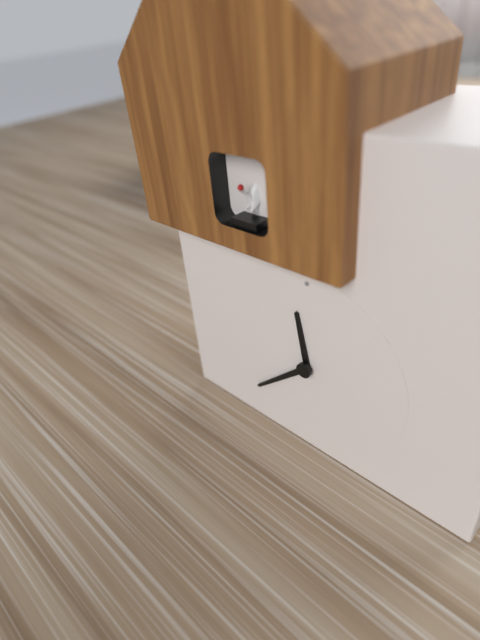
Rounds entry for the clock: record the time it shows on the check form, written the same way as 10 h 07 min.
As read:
11 h 38 min
